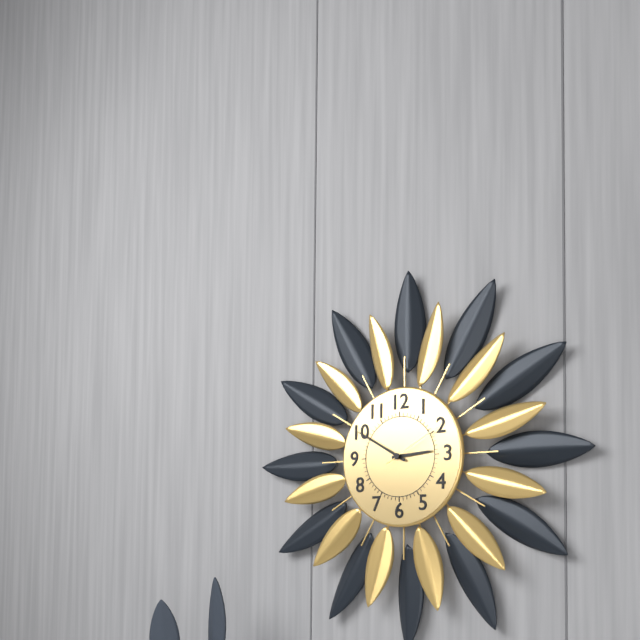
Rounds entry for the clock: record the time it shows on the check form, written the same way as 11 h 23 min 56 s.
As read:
2 h 50 min 10 s
